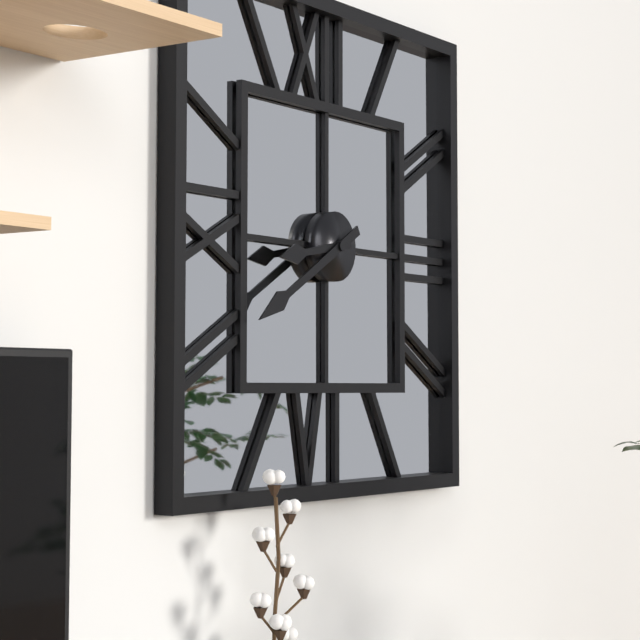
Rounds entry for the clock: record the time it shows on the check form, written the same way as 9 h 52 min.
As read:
8 h 40 min
